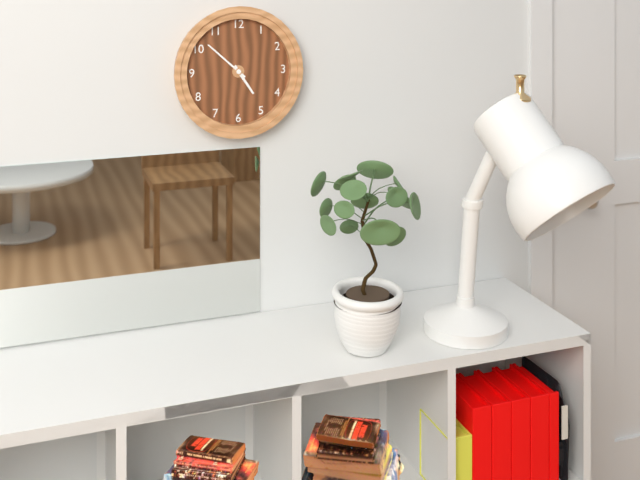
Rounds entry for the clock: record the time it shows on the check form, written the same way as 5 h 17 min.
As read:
4 h 52 min
